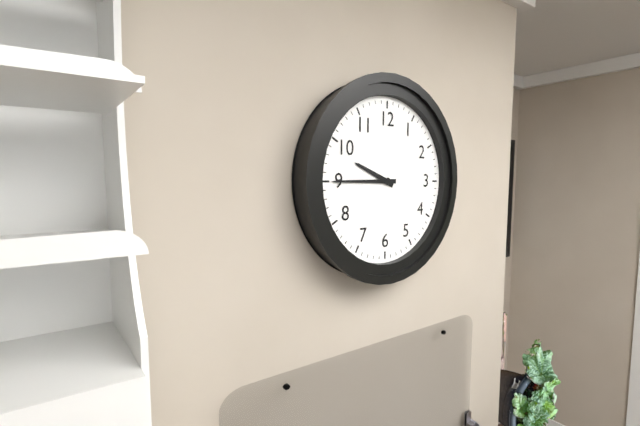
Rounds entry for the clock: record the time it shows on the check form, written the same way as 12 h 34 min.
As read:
9 h 45 min
